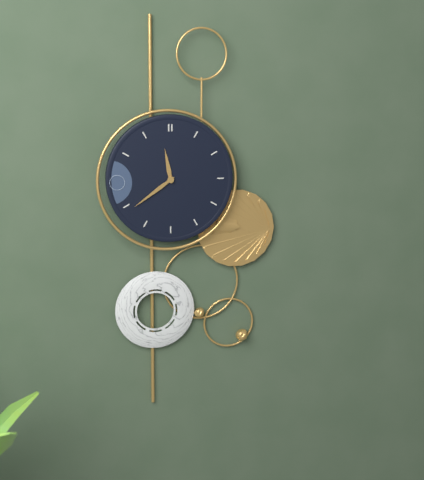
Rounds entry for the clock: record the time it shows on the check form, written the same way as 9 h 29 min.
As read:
11 h 39 min
